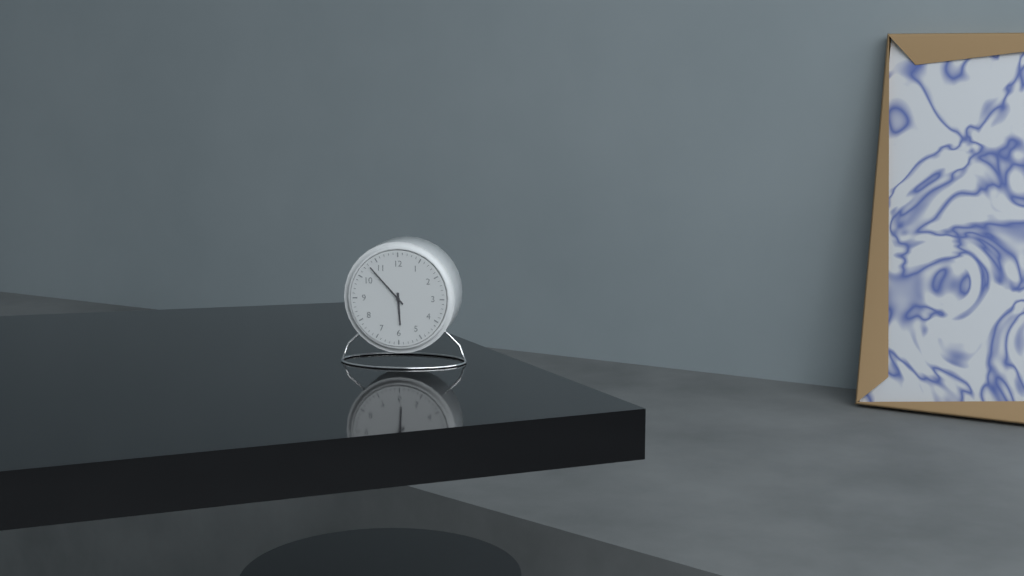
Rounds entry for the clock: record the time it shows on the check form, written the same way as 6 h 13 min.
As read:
5 h 53 min
